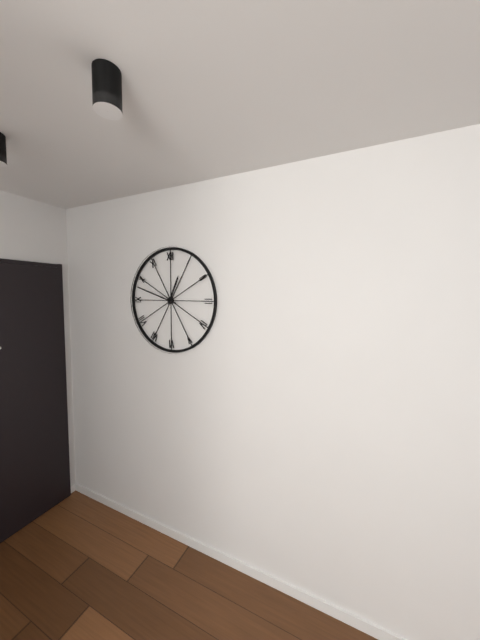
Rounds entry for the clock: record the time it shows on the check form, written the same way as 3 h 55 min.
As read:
12 h 48 min
